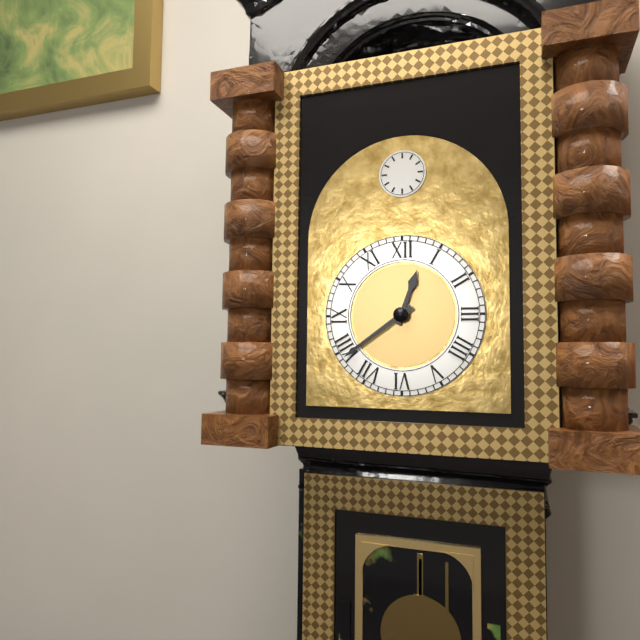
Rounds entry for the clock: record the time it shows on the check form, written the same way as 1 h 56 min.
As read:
12 h 39 min
